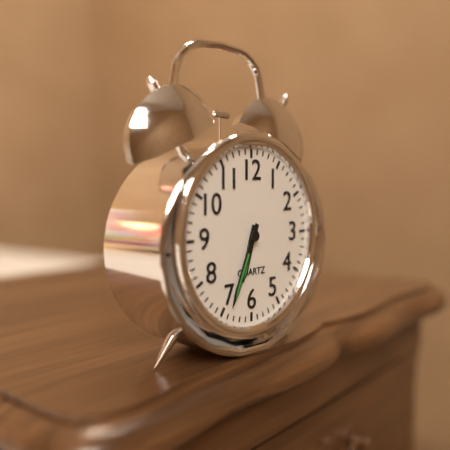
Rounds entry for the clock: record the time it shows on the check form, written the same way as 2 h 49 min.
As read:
6 h 34 min
